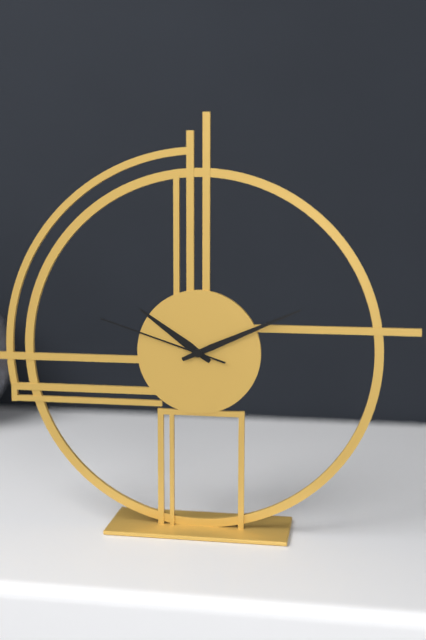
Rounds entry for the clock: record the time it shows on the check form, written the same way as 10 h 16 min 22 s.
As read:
10 h 11 min 48 s
